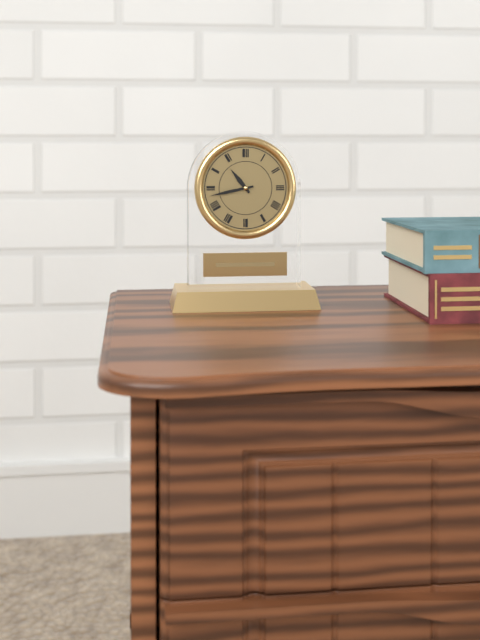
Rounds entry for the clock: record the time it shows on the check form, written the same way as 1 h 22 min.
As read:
10 h 43 min
